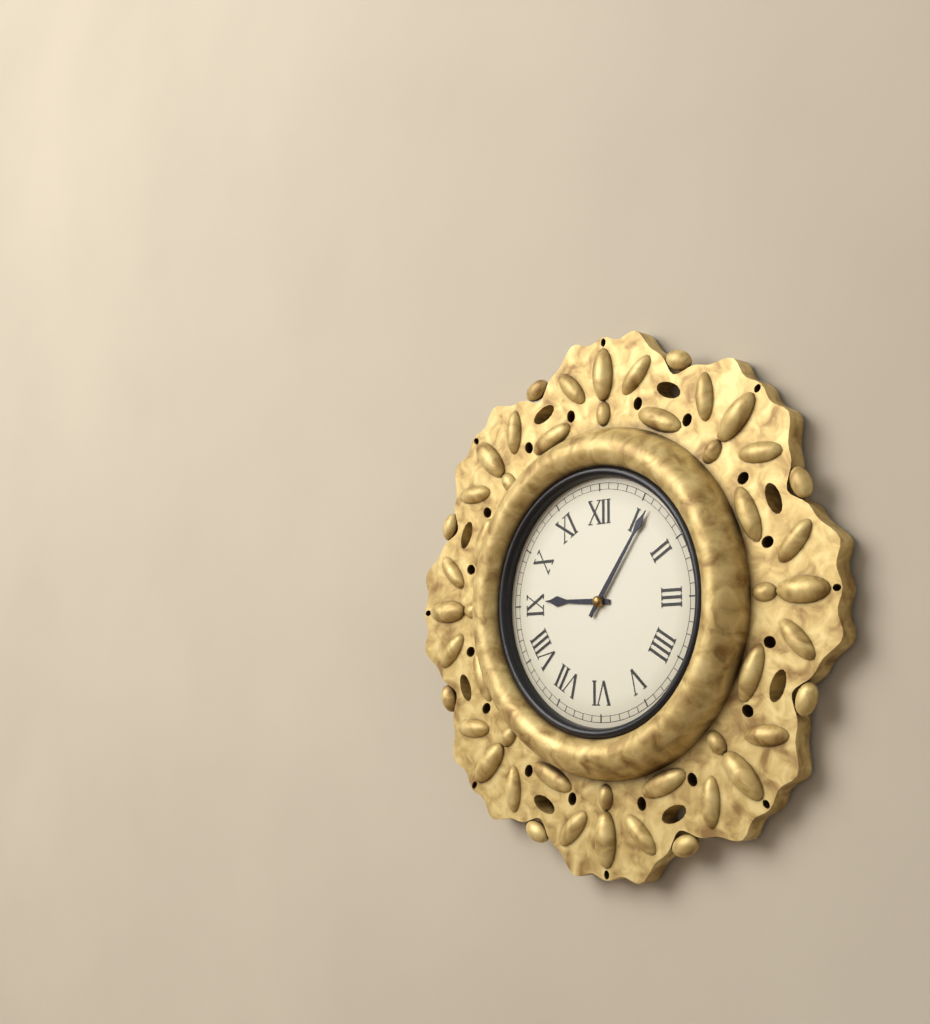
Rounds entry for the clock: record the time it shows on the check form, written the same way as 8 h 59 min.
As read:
9 h 06 min
